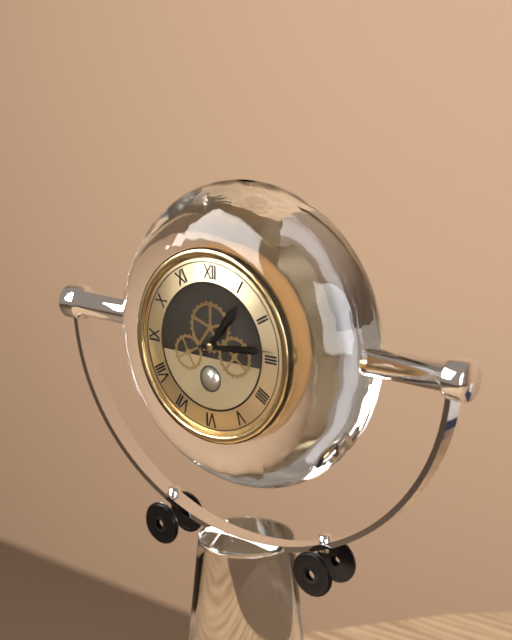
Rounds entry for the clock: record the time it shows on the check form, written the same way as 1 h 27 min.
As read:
1 h 14 min
